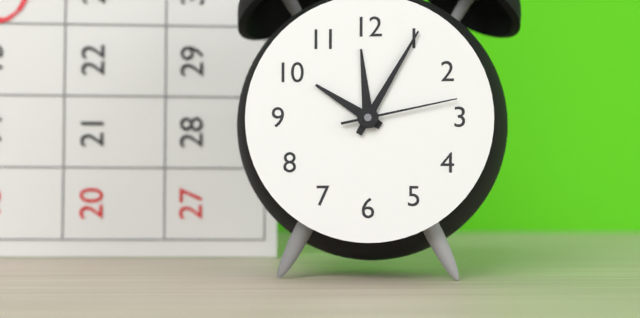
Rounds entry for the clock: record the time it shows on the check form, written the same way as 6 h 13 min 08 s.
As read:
10 h 05 min 13 s
